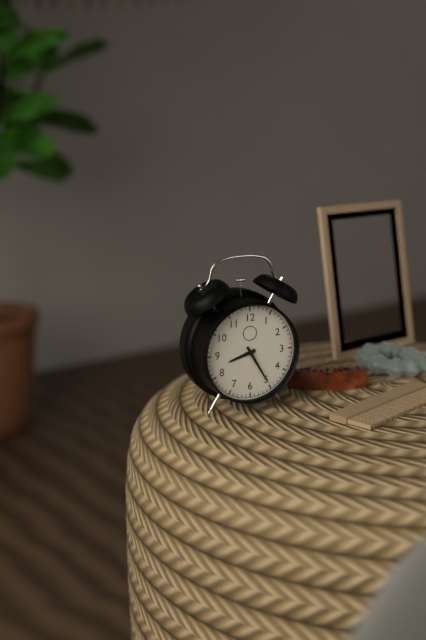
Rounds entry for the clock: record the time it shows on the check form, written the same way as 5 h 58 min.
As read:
8 h 25 min
